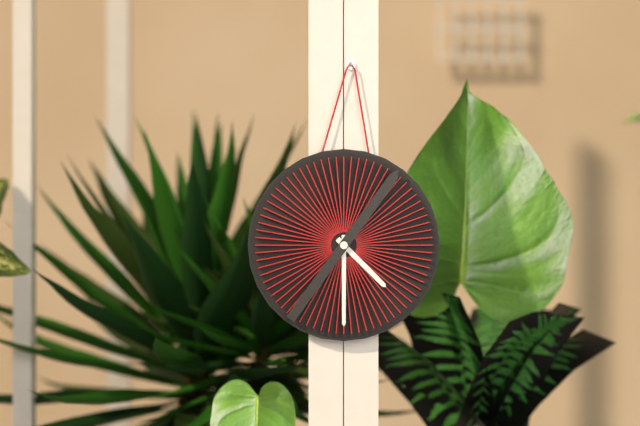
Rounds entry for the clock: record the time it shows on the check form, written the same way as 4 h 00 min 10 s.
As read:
4 h 30 min 06 s
